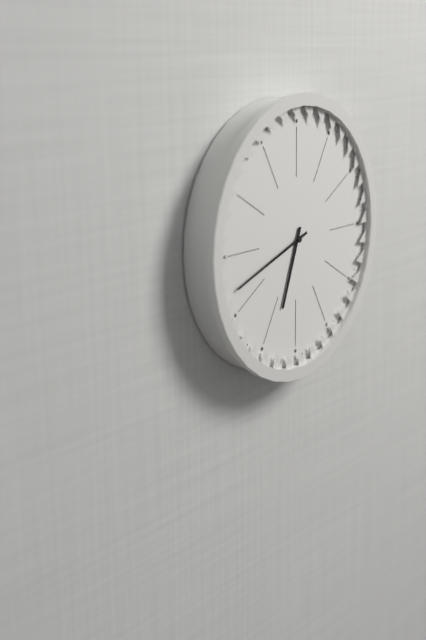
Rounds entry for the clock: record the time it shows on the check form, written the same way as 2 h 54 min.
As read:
6 h 42 min
